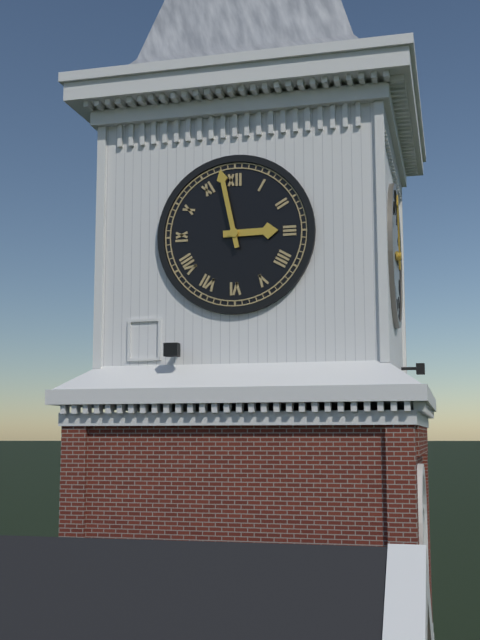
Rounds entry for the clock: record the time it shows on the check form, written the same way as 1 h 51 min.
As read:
2 h 58 min
